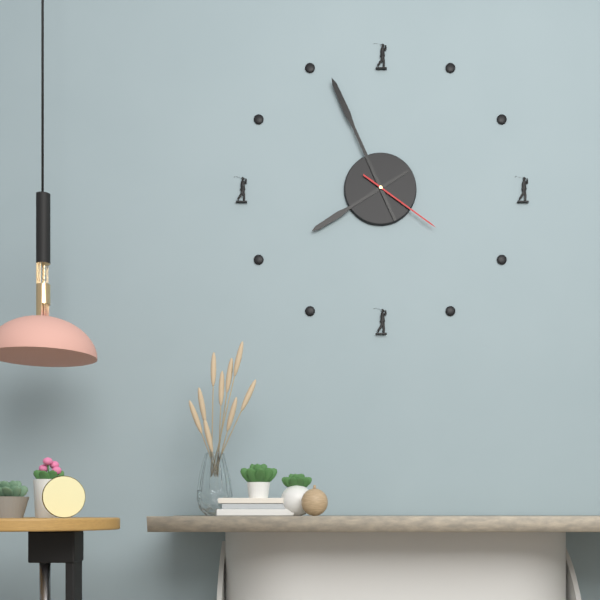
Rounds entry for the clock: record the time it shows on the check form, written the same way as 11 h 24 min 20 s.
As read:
7 h 56 min 21 s
